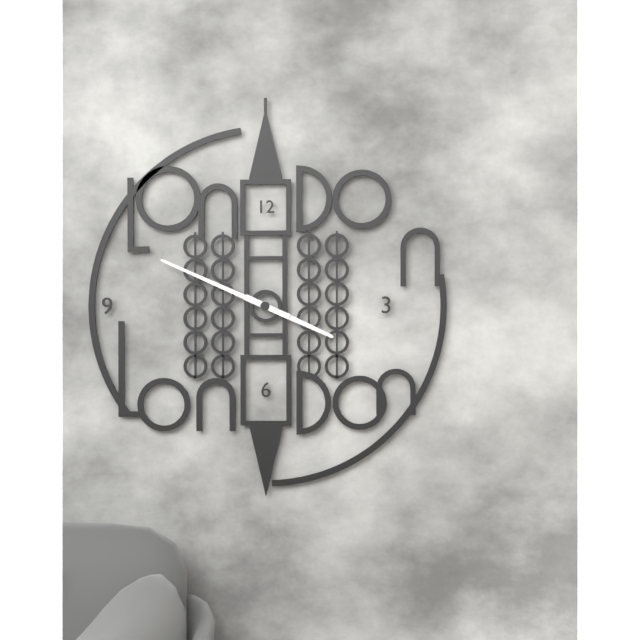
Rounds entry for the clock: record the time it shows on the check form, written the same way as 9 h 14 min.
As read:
3 h 49 min
